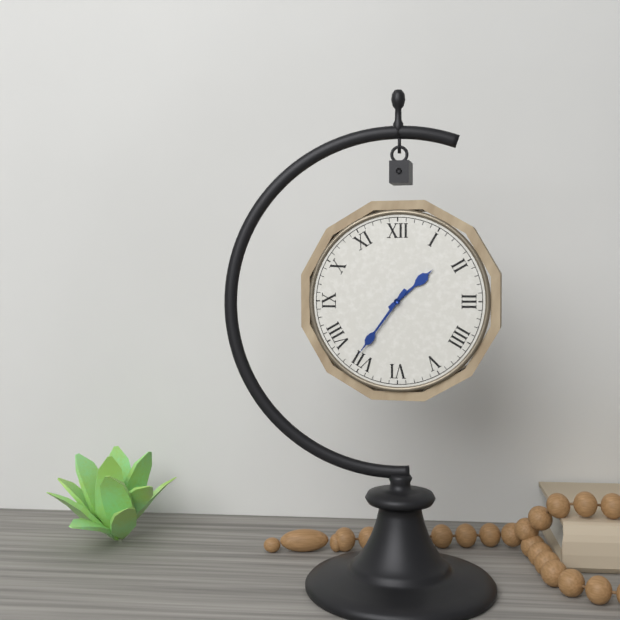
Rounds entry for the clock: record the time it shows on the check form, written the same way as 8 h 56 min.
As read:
1 h 36 min
